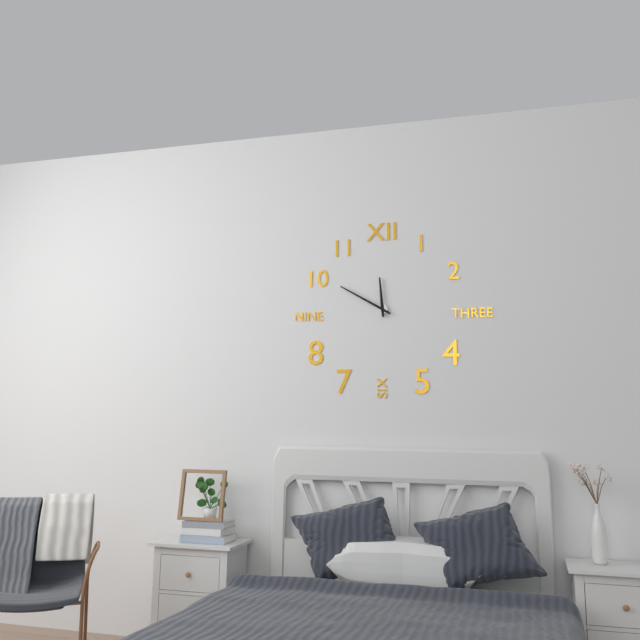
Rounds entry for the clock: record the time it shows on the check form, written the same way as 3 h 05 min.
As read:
11 h 50 min
